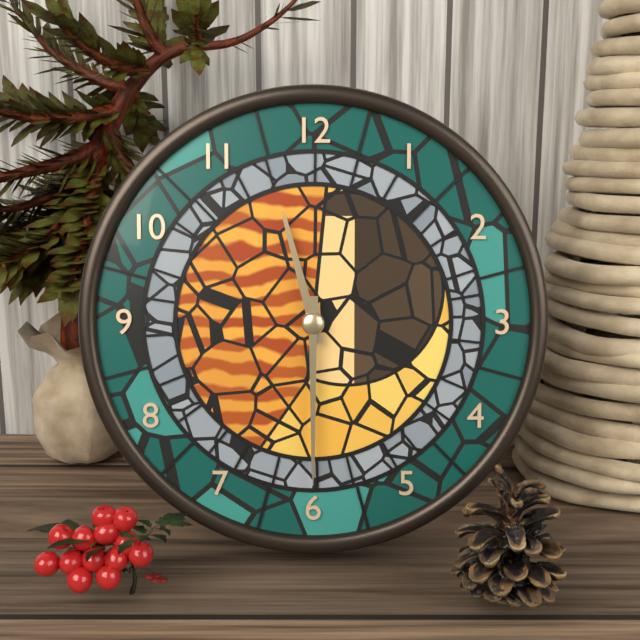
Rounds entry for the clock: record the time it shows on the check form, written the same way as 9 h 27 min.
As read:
11 h 30 min
